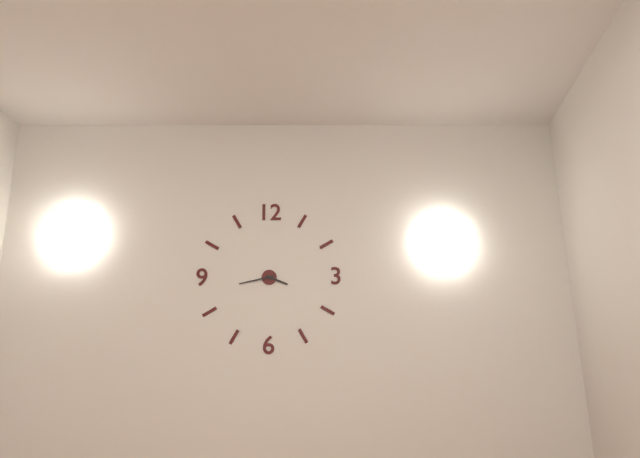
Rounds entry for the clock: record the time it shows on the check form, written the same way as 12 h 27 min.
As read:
3 h 43 min
